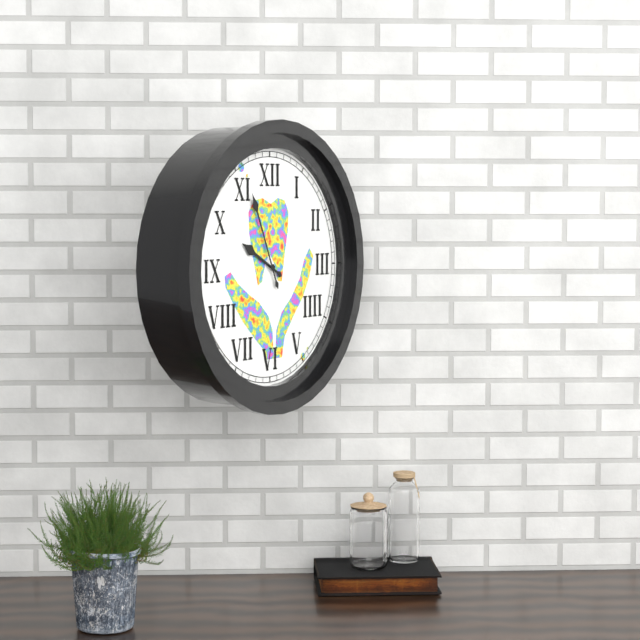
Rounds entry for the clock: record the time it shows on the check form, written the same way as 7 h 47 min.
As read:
9 h 56 min
